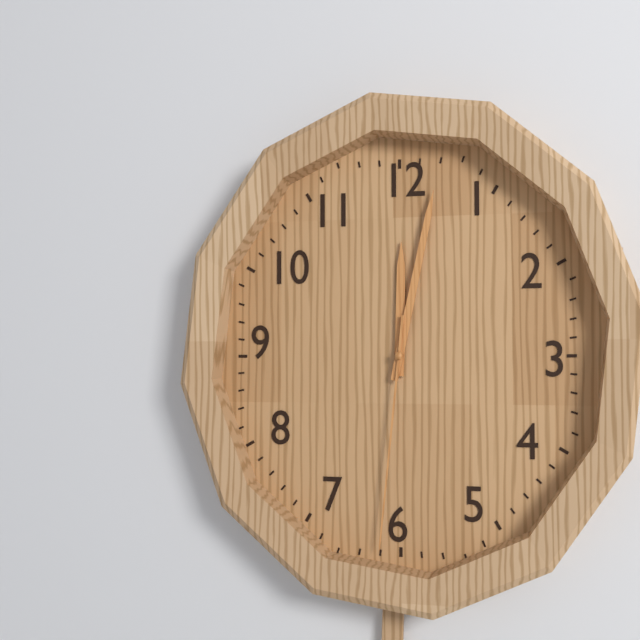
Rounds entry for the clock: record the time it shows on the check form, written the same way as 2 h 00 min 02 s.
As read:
12 h 02 min 31 s
